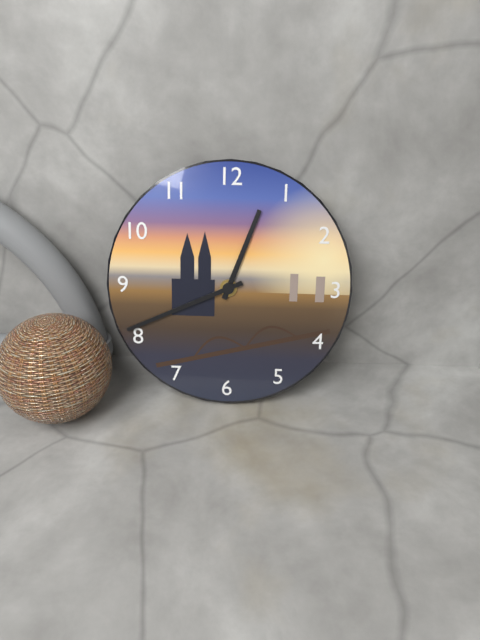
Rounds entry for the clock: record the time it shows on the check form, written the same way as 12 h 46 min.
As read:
12 h 41 min
